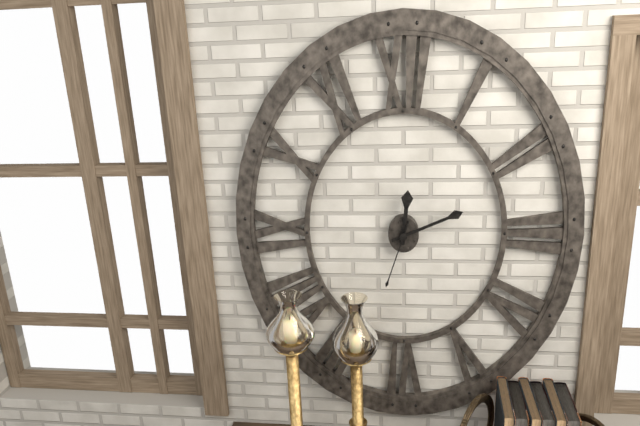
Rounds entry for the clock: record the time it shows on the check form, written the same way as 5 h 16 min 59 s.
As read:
12 h 11 min 33 s
